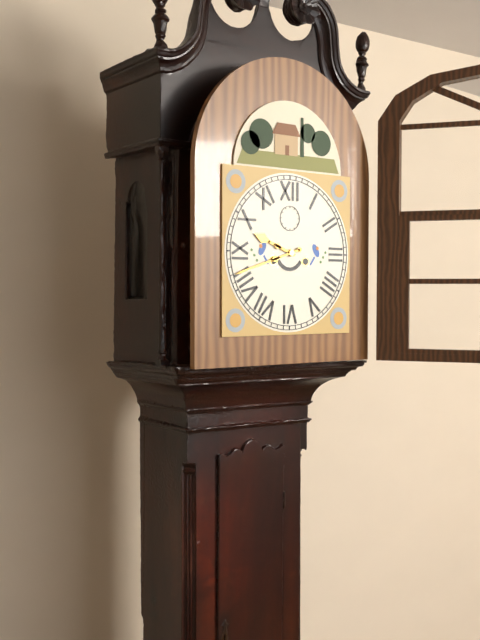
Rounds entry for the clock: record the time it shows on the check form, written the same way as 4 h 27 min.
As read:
9 h 42 min
